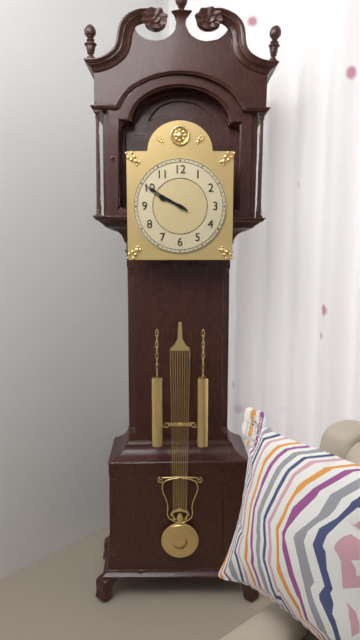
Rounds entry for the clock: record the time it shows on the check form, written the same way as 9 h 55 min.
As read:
9 h 50 min
